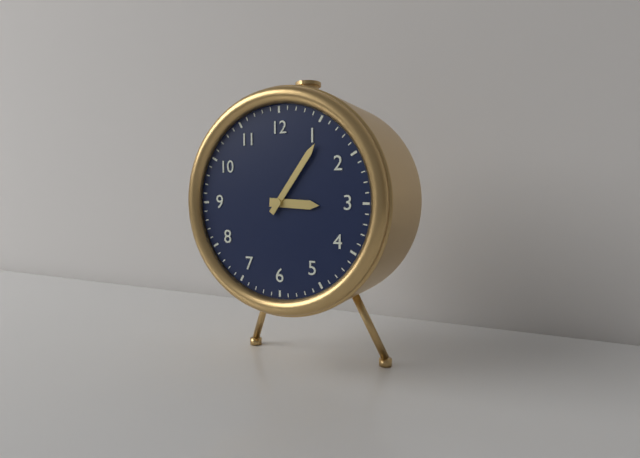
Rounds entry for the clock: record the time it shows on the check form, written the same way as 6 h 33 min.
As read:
3 h 06 min
